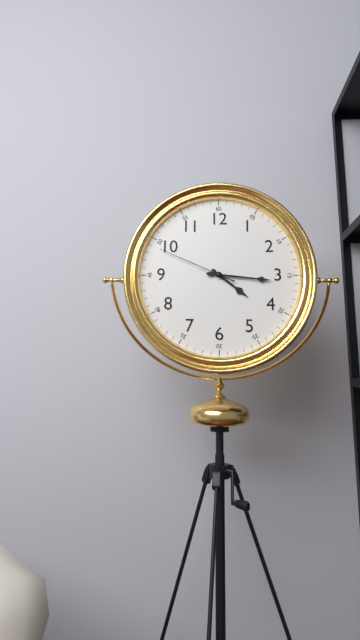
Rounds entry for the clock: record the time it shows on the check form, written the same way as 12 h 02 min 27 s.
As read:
4 h 16 min 49 s
